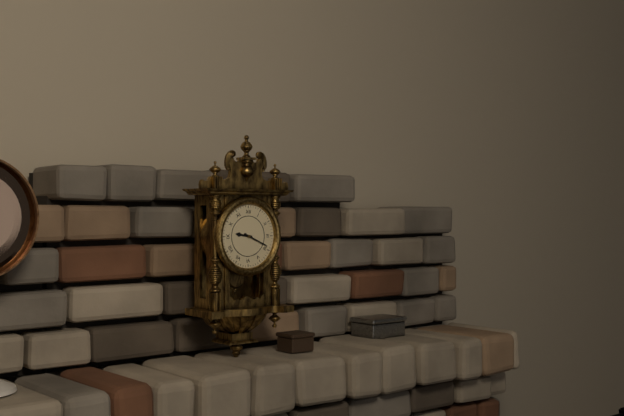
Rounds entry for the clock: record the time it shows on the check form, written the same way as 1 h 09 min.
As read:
9 h 19 min
